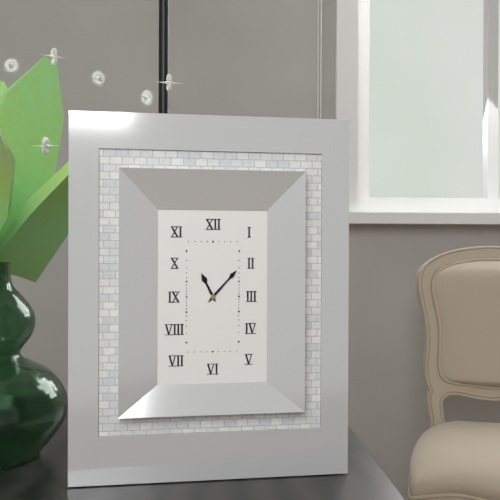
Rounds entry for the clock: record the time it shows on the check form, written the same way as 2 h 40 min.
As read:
11 h 07 min
